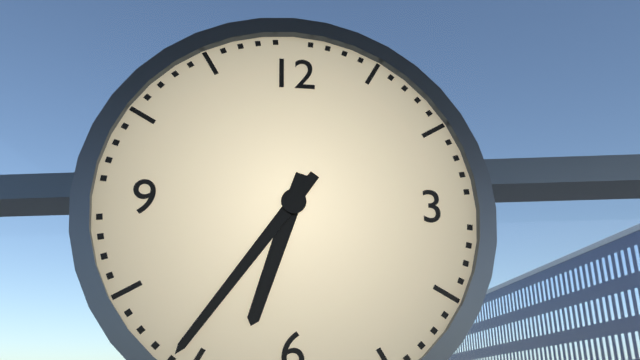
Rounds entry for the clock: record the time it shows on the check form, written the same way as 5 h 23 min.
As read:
6 h 36 min
